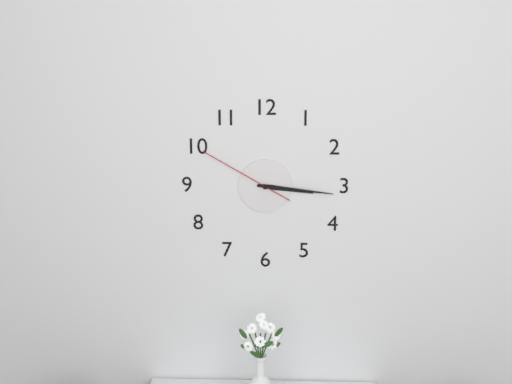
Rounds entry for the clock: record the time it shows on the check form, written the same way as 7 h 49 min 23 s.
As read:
3 h 16 min 50 s
